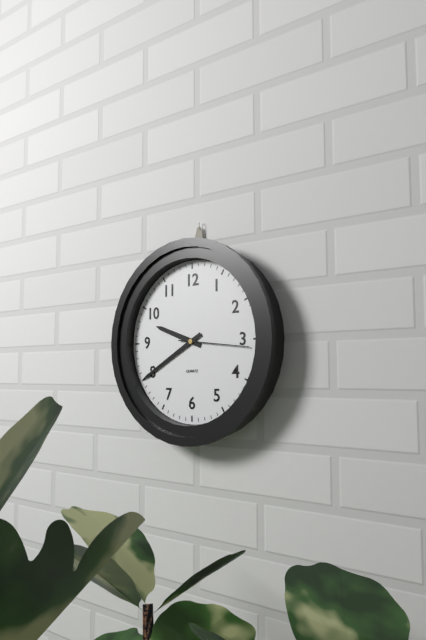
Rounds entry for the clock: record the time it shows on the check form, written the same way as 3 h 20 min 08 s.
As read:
9 h 40 min 16 s
